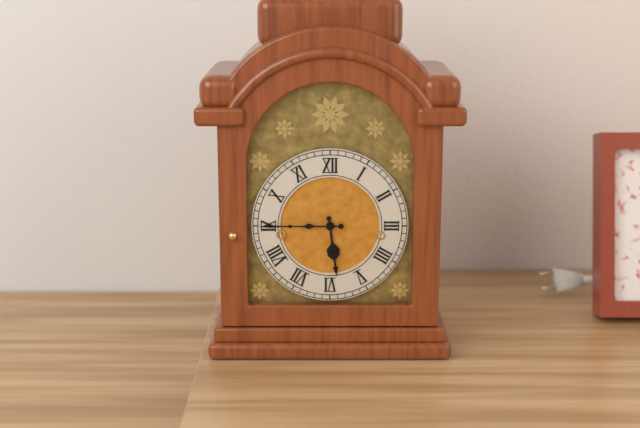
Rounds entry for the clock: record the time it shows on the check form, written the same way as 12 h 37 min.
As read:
5 h 45 min
